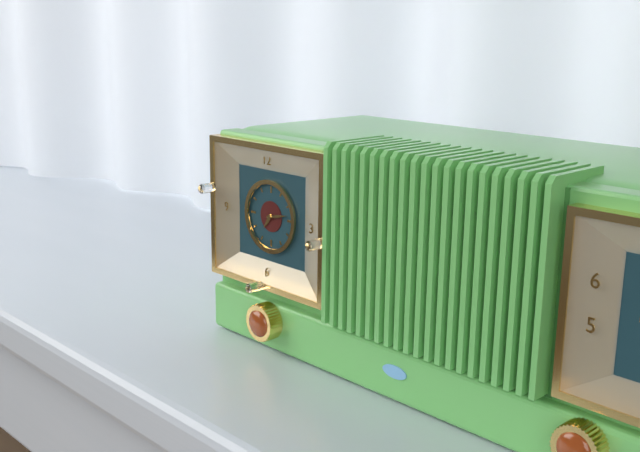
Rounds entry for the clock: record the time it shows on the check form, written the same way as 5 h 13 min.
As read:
7 h 13 min
